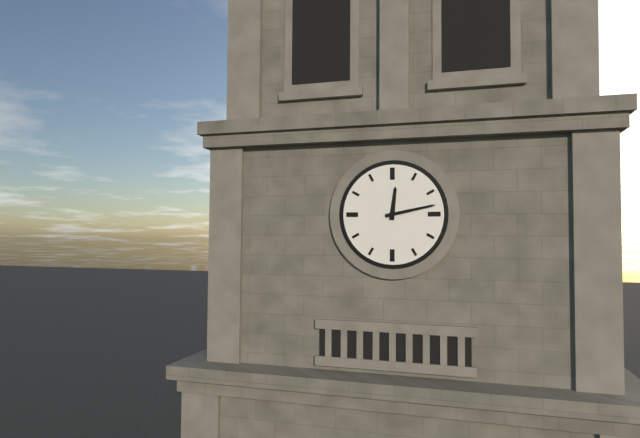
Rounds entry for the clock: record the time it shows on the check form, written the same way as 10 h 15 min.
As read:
12 h 13 min
